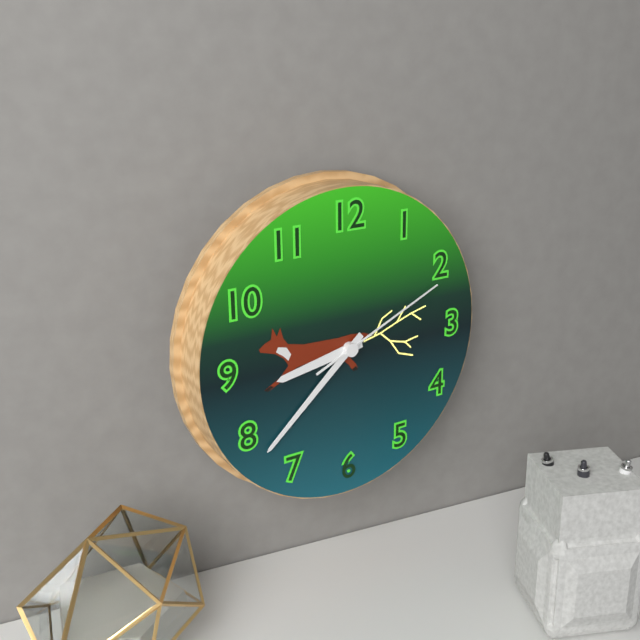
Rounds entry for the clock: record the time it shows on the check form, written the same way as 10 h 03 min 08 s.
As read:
8 h 38 min 11 s
